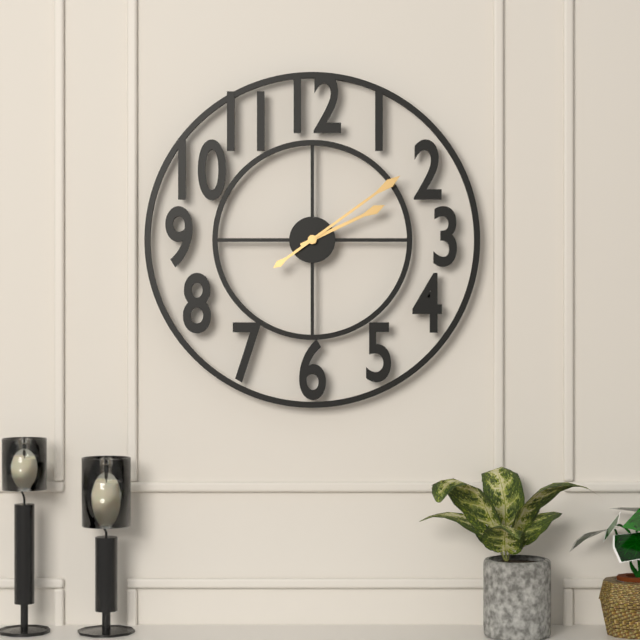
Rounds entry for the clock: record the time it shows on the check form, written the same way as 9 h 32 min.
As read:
2 h 09 min
